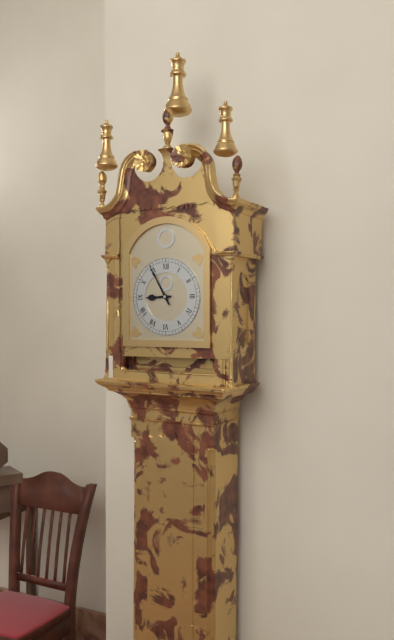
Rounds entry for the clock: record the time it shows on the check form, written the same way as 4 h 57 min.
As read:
8 h 55 min
